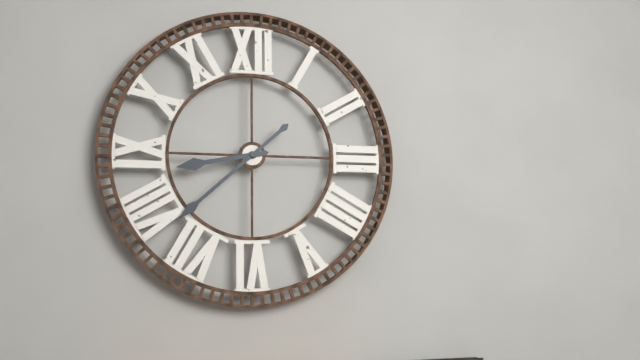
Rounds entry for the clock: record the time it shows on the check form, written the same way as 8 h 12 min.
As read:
8 h 38 min
